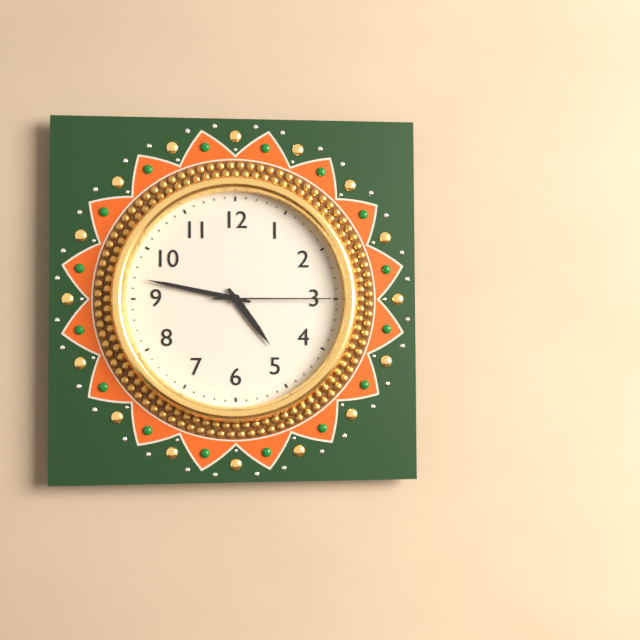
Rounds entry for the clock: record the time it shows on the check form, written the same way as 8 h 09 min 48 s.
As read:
4 h 47 min 15 s
